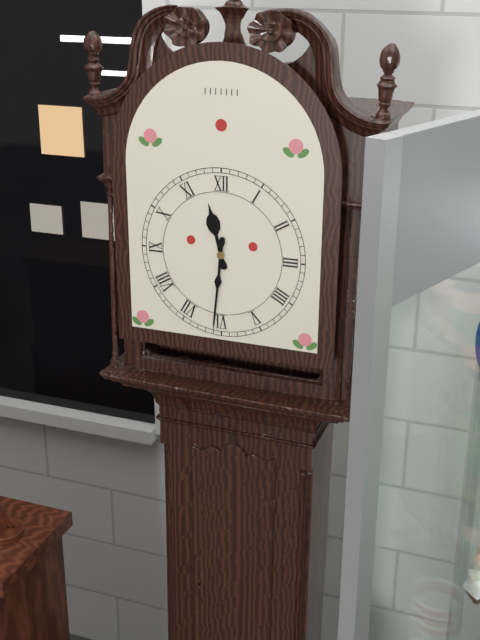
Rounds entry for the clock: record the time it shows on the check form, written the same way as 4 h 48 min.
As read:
11 h 31 min
